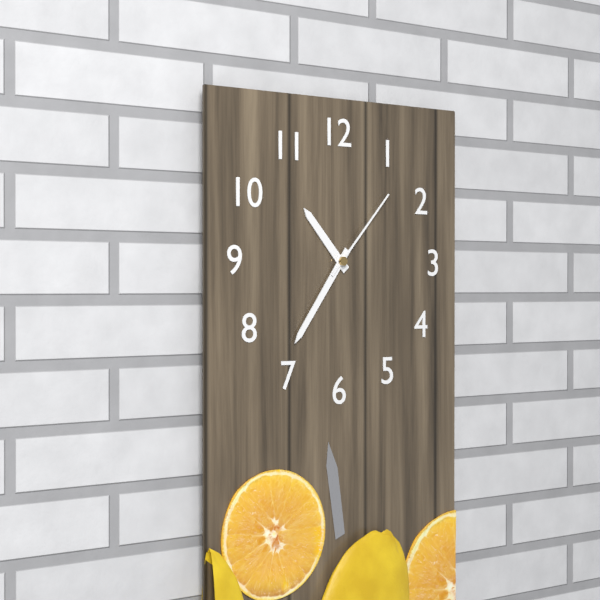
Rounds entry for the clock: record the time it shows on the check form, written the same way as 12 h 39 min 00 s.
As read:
10 h 36 min 07 s
